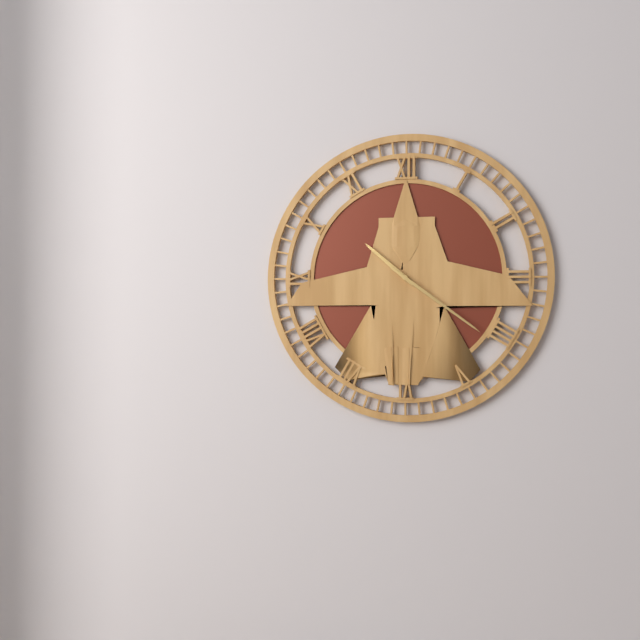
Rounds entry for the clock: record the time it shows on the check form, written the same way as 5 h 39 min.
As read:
10 h 21 min
